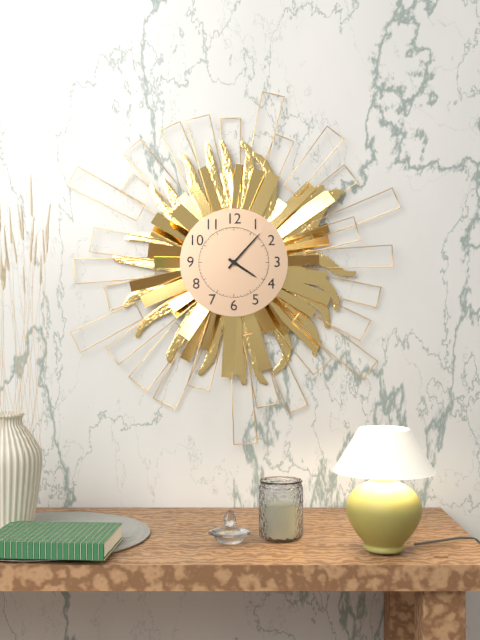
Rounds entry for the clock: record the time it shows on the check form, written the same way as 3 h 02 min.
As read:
4 h 07 min
